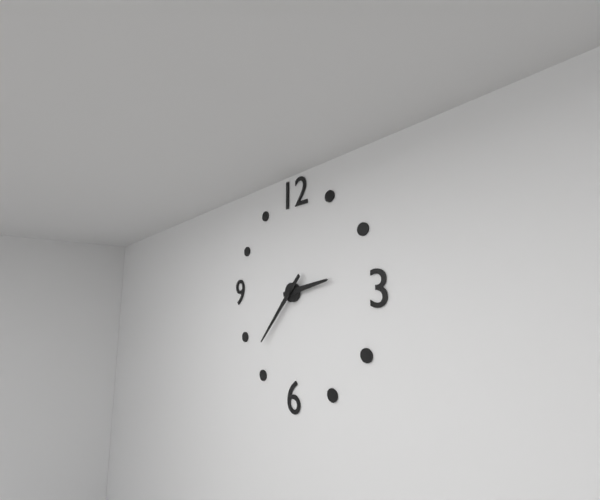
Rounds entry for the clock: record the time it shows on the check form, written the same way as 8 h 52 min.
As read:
2 h 37 min
